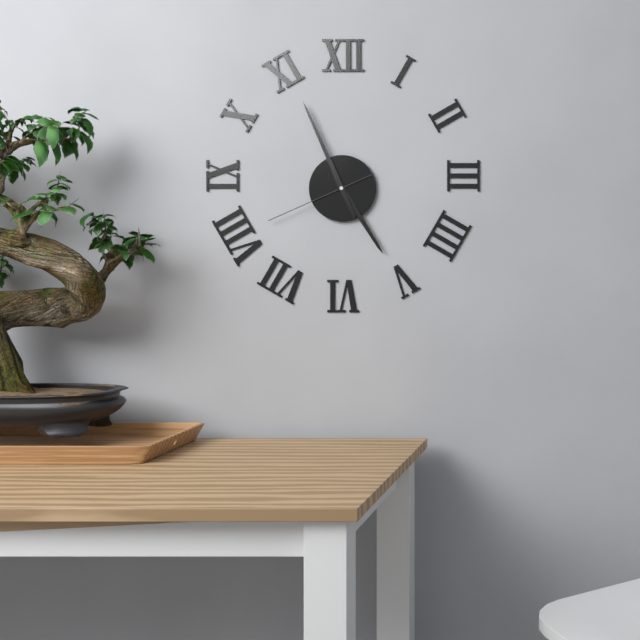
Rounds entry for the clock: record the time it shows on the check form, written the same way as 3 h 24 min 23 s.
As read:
4 h 56 min 41 s
